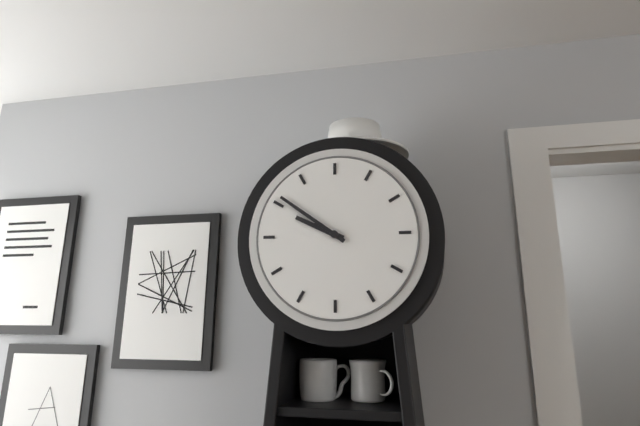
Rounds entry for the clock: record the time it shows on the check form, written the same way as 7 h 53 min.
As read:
9 h 51 min
